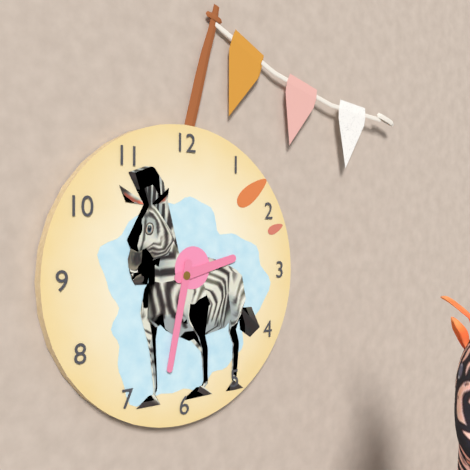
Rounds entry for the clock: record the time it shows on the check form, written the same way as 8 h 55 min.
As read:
2 h 32 min
